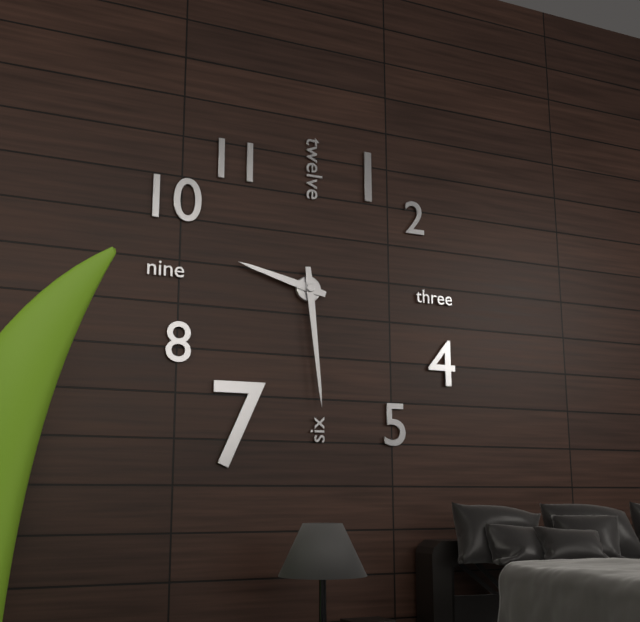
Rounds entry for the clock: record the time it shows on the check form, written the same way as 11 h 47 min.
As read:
9 h 29 min
